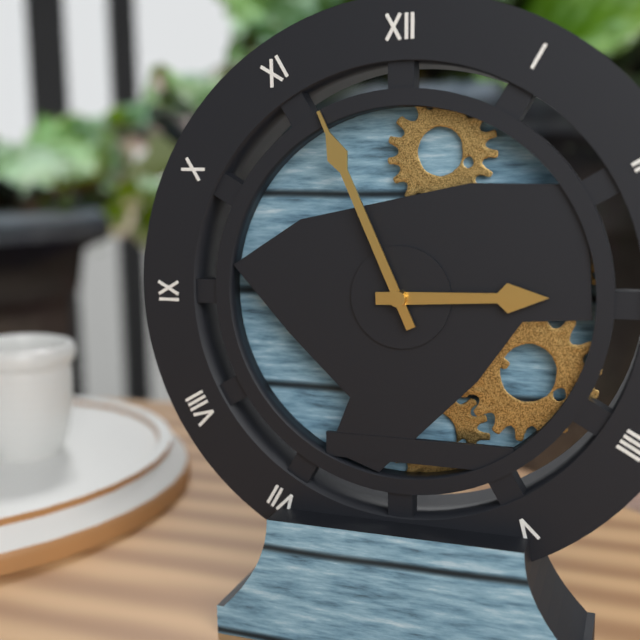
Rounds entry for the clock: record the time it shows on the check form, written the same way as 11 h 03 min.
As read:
2 h 56 min
